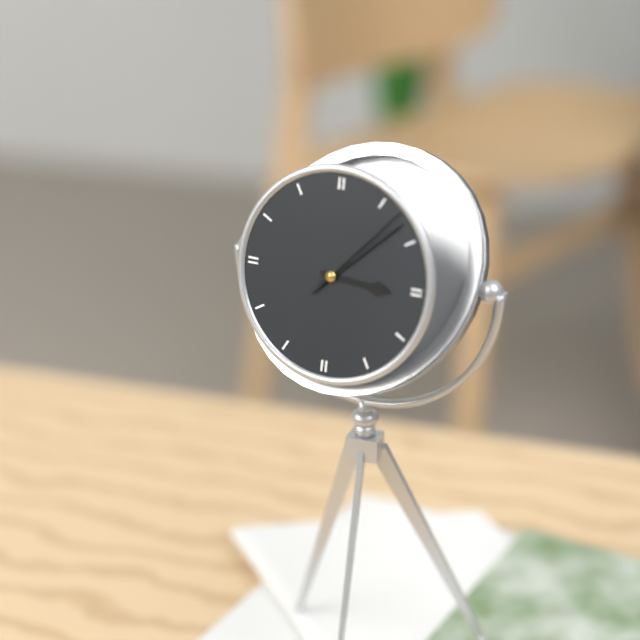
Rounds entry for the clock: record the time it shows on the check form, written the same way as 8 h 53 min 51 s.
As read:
3 h 08 min 07 s
